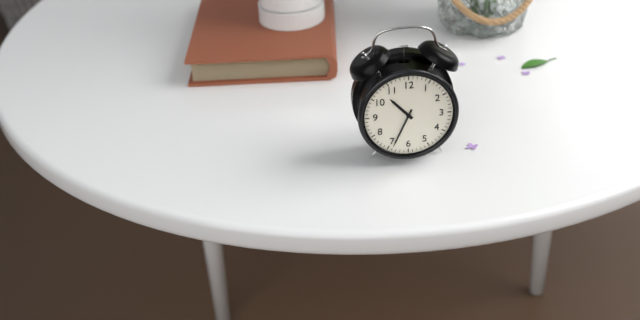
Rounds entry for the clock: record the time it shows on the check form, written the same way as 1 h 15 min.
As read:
10 h 34 min
